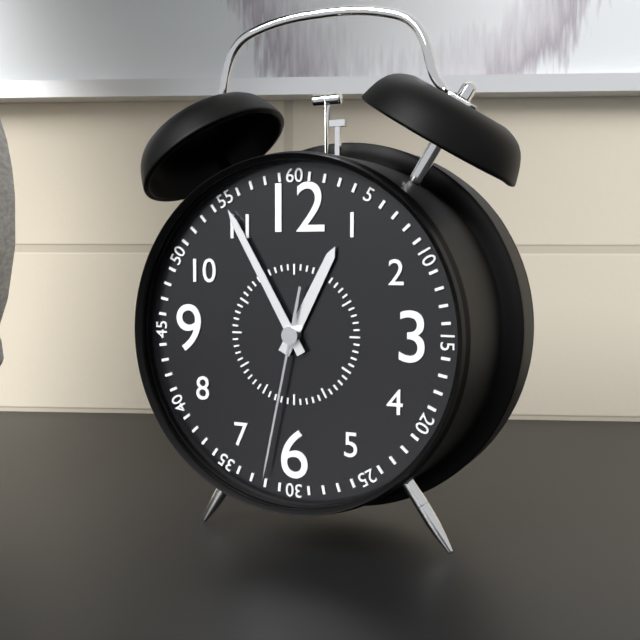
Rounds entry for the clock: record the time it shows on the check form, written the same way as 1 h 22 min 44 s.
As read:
12 h 55 min 32 s
